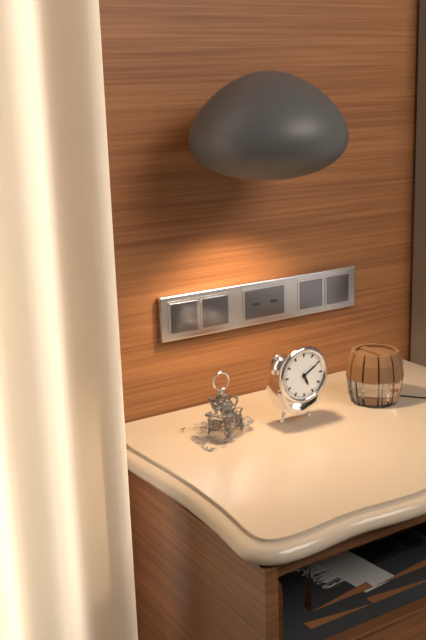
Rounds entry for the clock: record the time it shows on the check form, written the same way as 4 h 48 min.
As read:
5 h 10 min
